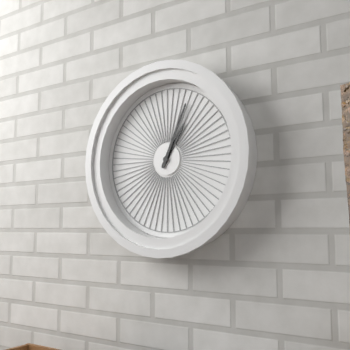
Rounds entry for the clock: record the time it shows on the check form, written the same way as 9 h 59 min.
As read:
1 h 04 min
